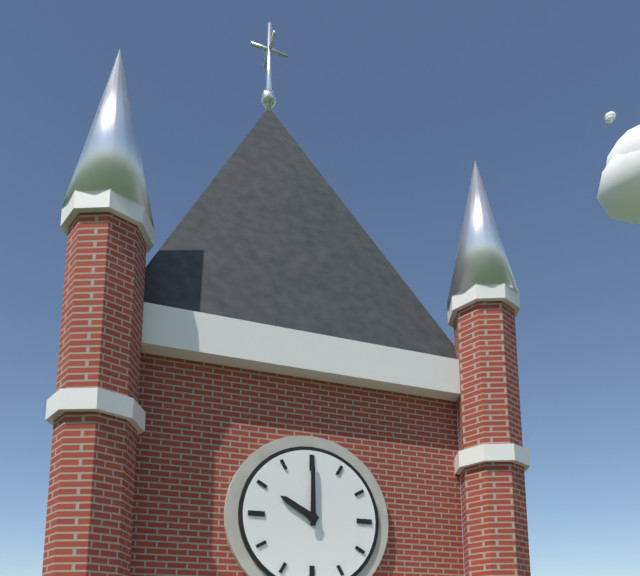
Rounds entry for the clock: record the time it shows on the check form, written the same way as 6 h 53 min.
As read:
10 h 00 min
